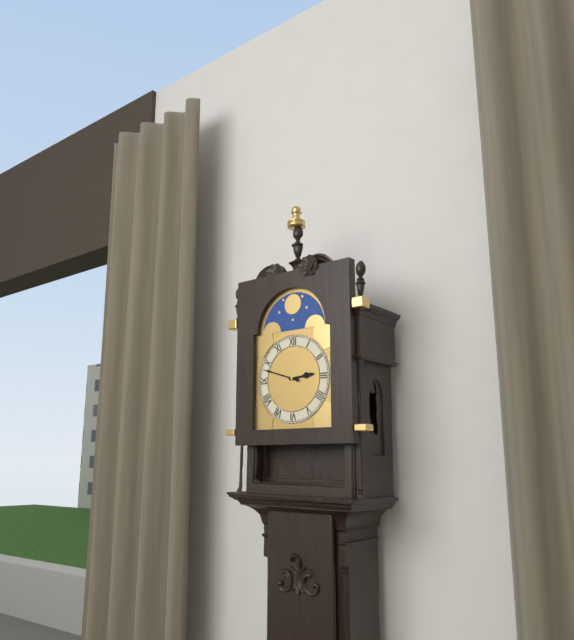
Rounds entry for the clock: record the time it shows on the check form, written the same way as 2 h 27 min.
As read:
2 h 48 min
